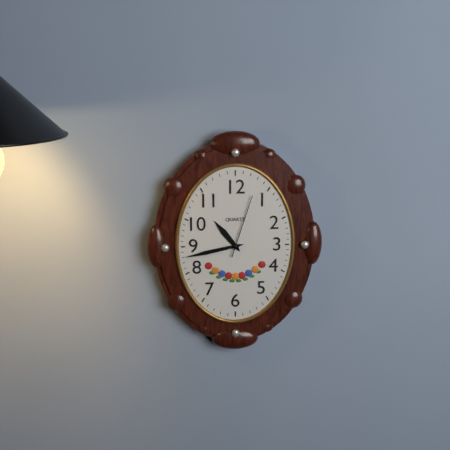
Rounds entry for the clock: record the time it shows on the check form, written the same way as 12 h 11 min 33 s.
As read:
10 h 43 min 03 s
